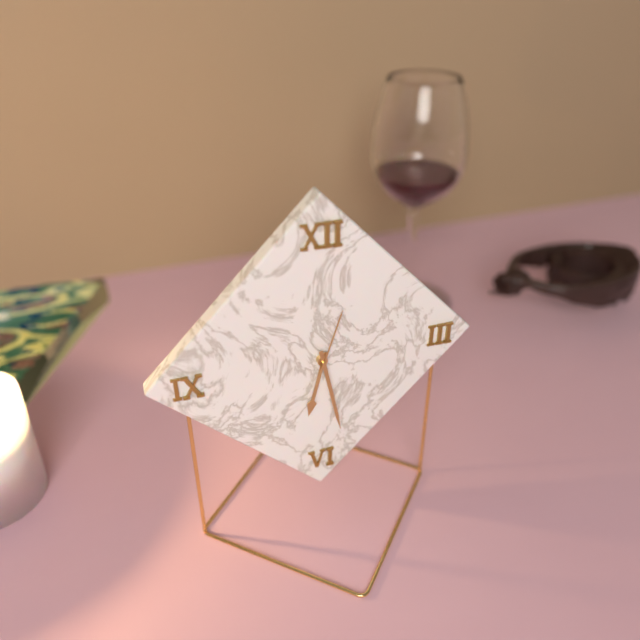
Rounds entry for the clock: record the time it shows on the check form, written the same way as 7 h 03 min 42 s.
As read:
6 h 28 min 03 s
